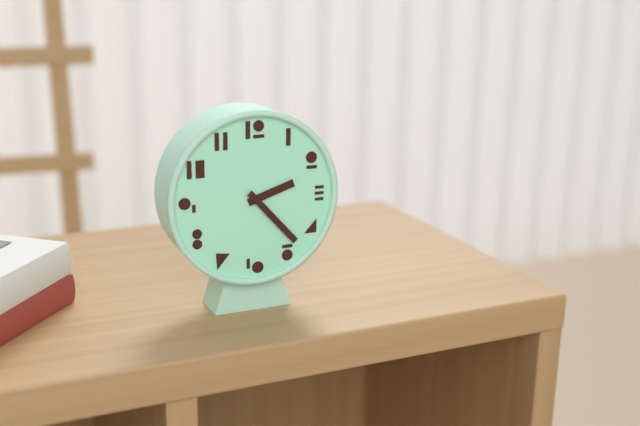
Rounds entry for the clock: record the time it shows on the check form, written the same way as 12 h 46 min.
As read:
2 h 23 min
